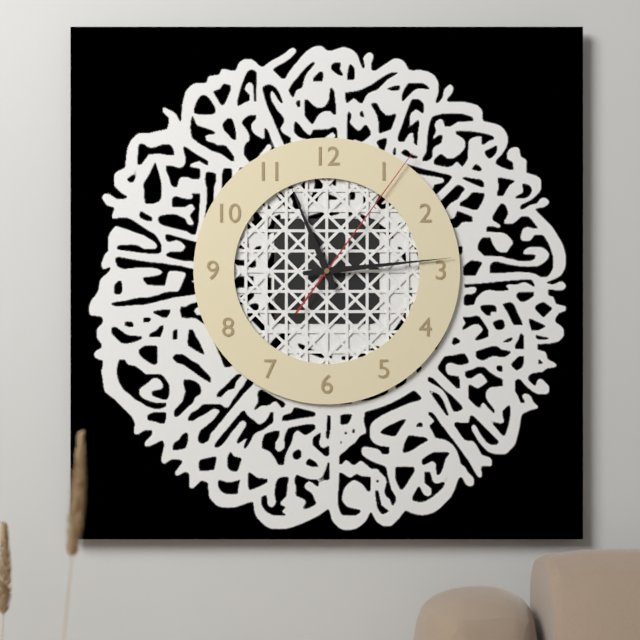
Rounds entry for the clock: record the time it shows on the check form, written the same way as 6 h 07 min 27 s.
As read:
11 h 14 min 06 s
